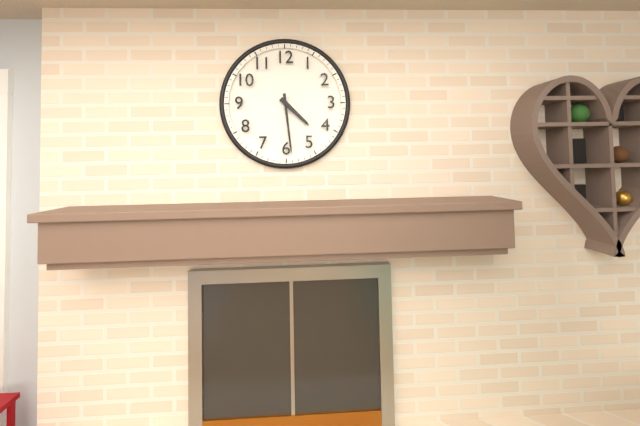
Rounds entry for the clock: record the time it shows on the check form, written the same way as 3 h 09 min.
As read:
4 h 29 min
